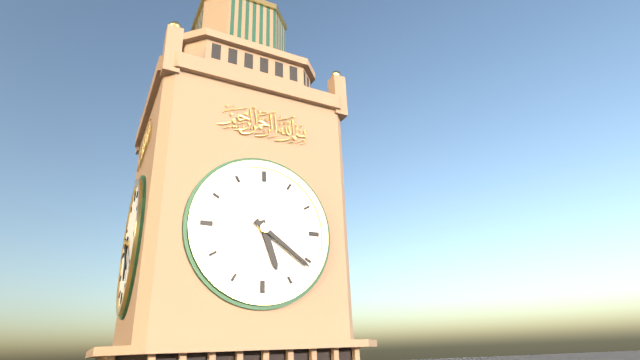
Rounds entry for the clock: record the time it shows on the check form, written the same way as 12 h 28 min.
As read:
5 h 21 min
